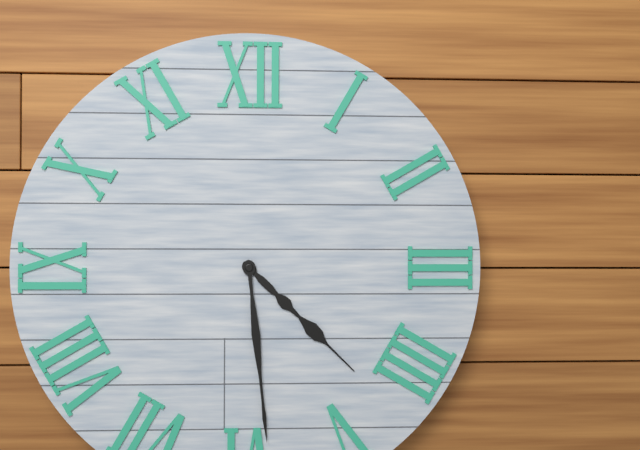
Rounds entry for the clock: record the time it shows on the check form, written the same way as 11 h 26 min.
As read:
4 h 29 min
